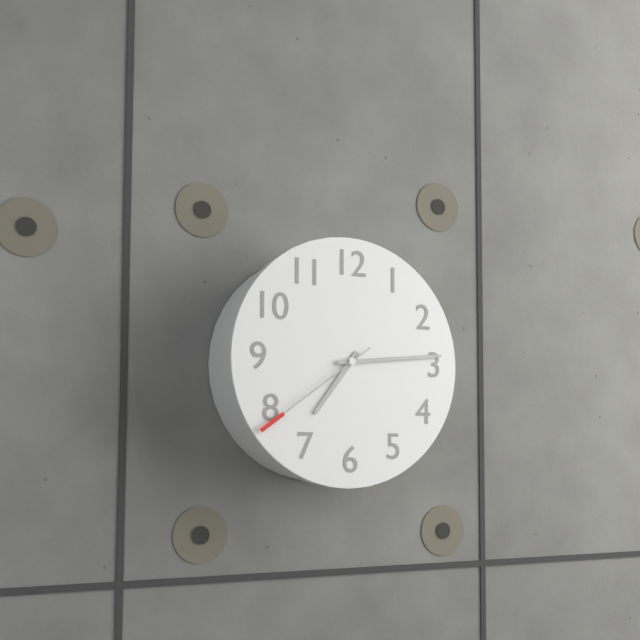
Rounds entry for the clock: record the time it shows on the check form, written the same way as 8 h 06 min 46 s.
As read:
7 h 14 min 39 s
